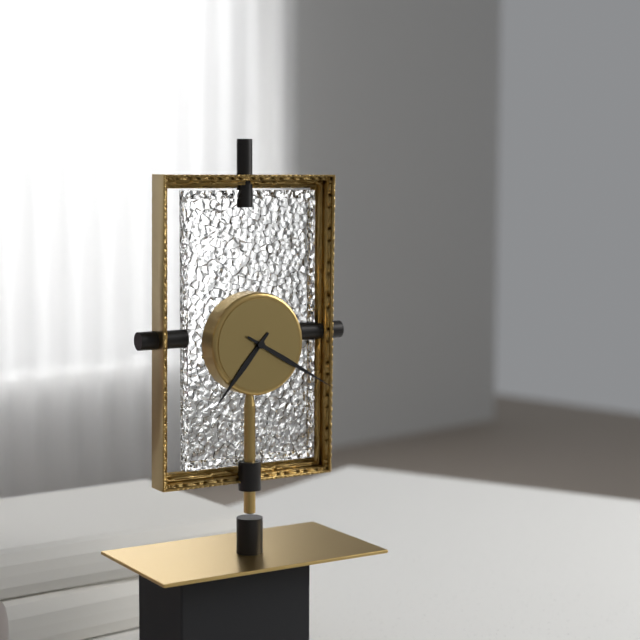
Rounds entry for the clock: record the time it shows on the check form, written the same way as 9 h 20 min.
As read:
7 h 20 min
